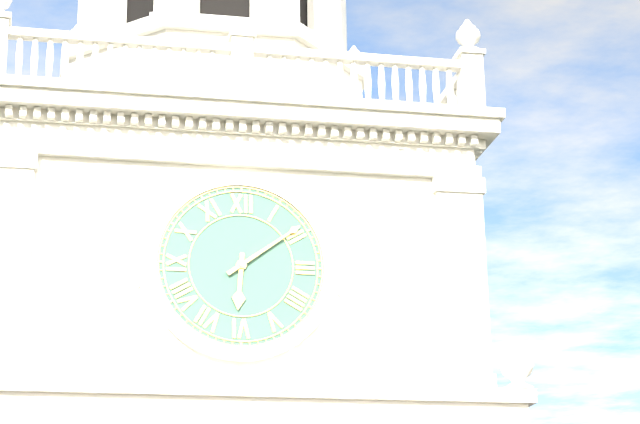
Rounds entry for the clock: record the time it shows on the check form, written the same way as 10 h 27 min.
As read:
6 h 09 min
